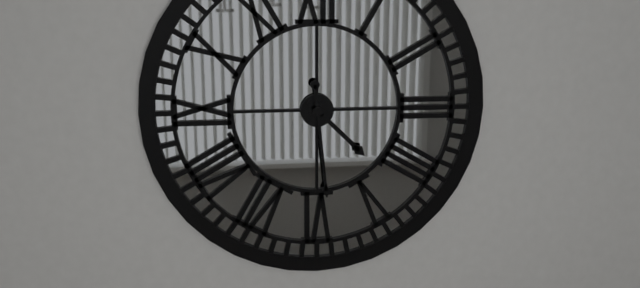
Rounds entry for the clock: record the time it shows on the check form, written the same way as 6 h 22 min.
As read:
4 h 29 min
